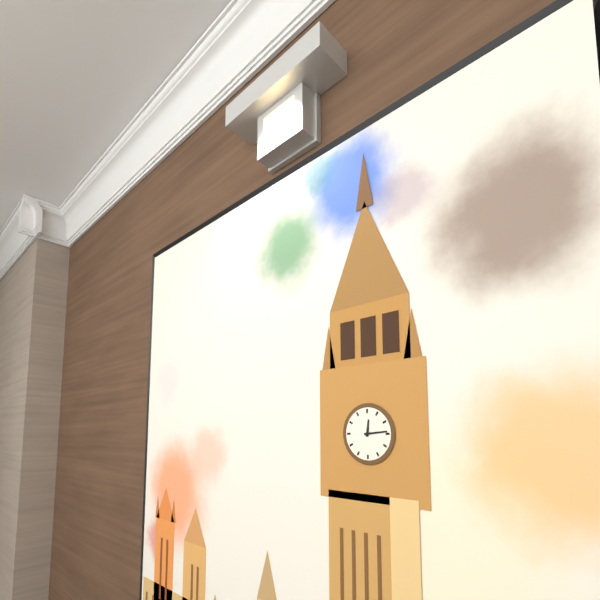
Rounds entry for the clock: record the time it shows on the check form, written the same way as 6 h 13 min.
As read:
12 h 14 min
